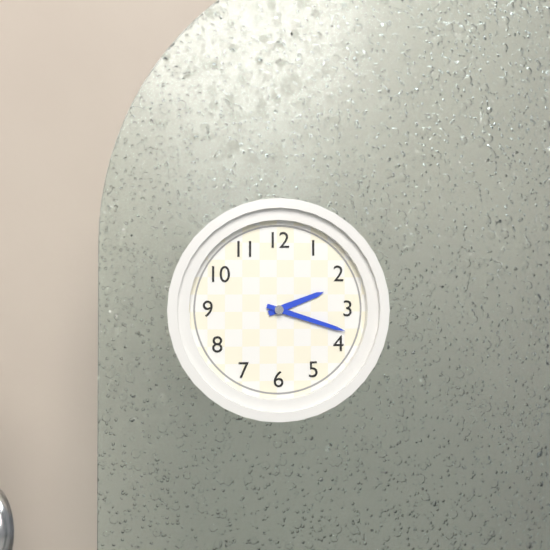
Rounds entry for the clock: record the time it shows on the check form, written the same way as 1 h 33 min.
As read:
2 h 18 min
